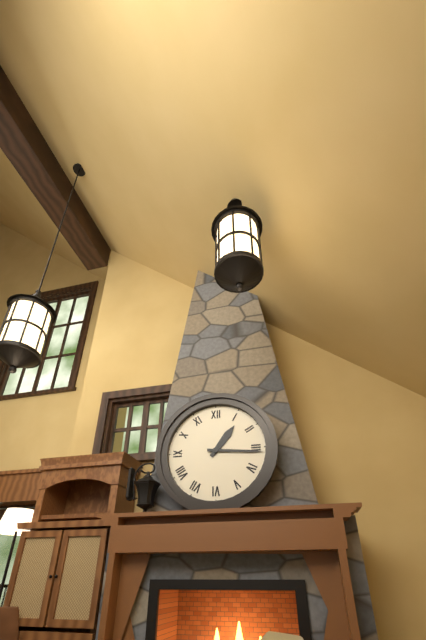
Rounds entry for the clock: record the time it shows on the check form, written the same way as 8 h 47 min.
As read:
1 h 16 min
